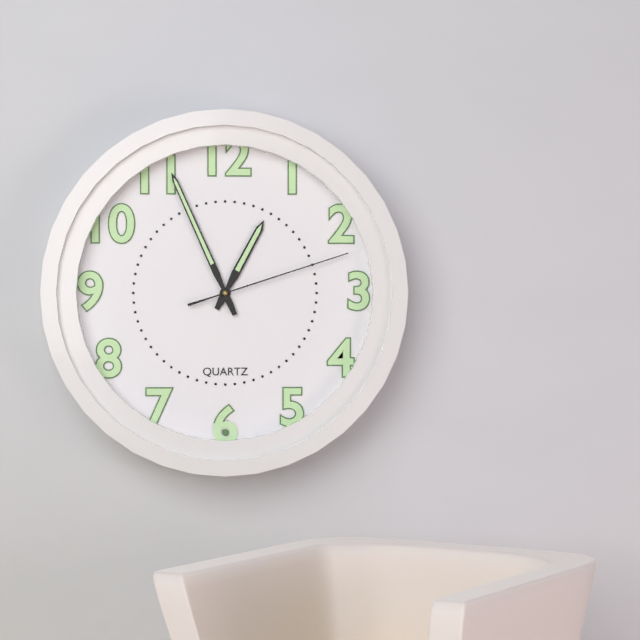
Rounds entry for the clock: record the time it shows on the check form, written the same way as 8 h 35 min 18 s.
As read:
12 h 56 min 12 s
